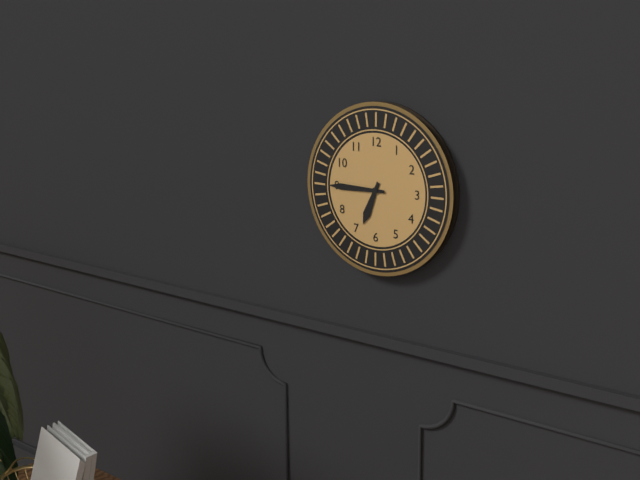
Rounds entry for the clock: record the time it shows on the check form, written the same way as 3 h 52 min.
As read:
6 h 45 min
